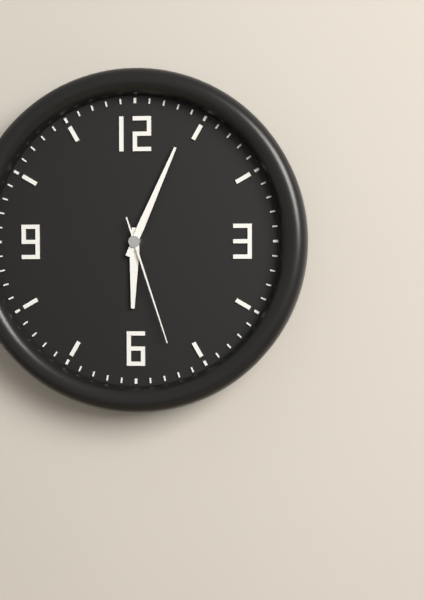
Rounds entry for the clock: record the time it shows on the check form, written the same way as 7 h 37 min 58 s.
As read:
6 h 04 min 27 s
